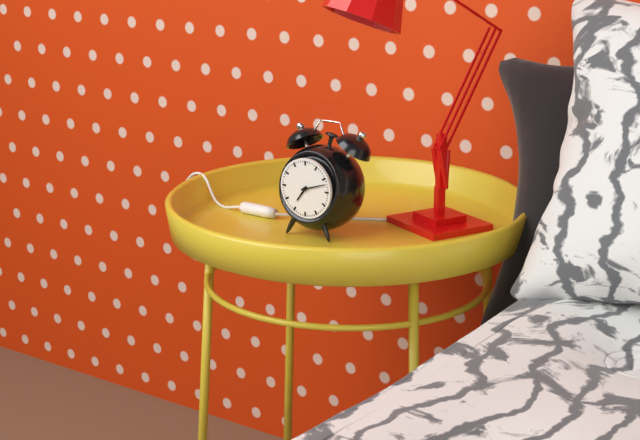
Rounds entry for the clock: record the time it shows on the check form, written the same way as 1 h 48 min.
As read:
7 h 12 min
